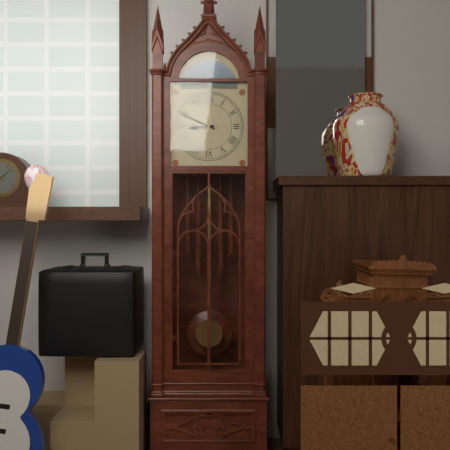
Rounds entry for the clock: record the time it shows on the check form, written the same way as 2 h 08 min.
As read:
8 h 49 min
